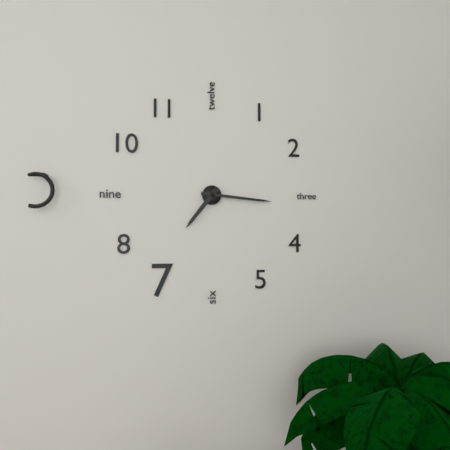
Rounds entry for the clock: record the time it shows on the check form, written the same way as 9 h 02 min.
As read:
7 h 16 min
